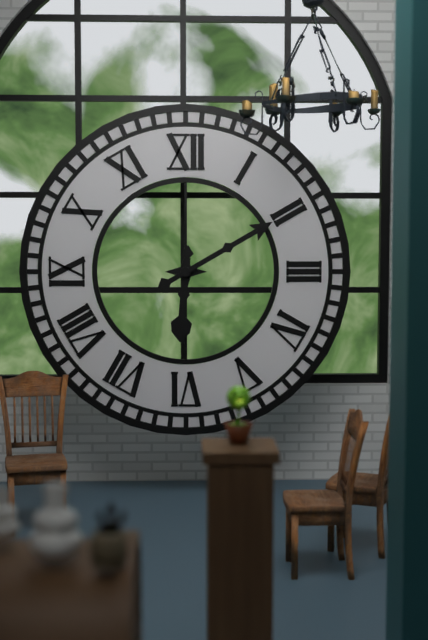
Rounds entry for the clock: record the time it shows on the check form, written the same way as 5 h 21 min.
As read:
6 h 10 min
